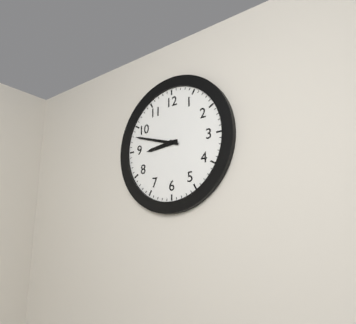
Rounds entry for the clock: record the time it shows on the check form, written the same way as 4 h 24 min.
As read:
8 h 48 min
